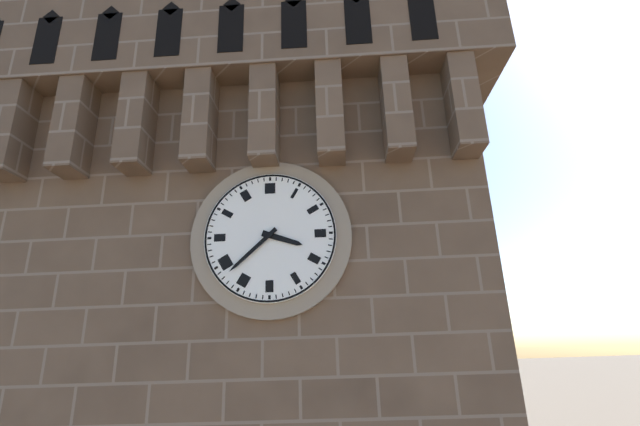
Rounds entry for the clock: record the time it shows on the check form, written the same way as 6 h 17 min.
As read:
3 h 38 min
